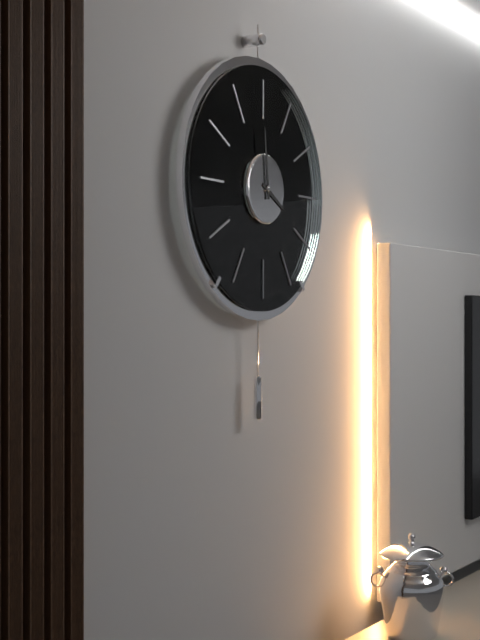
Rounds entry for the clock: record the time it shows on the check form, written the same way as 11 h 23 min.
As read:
3 h 59 min
